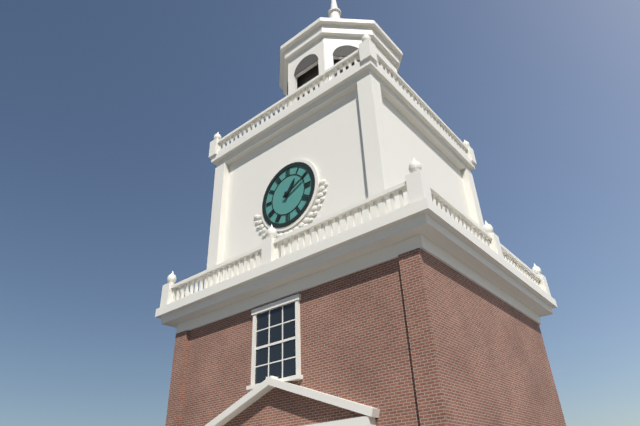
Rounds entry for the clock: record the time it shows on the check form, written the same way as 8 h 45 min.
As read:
1 h 11 min
